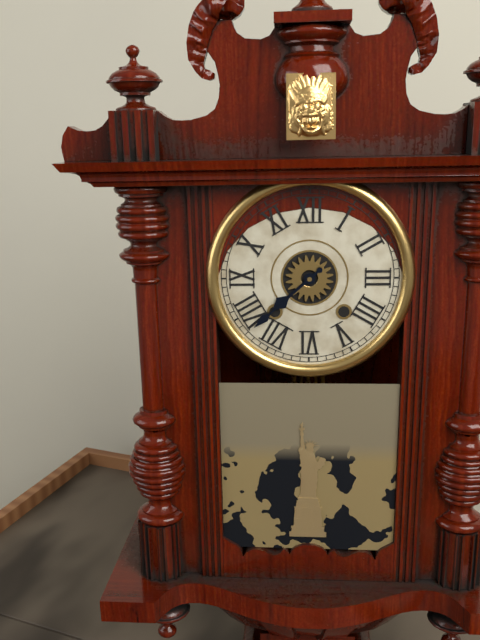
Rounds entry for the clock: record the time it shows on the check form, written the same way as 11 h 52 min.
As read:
7 h 38 min
